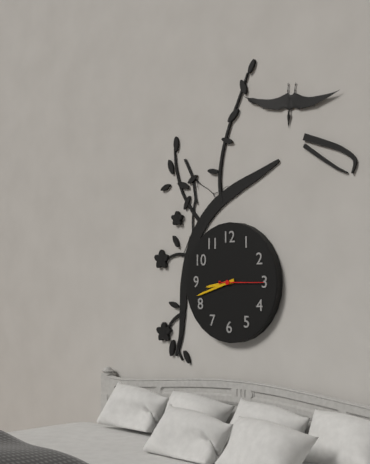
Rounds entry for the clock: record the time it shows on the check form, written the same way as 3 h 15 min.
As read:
8 h 42 min
